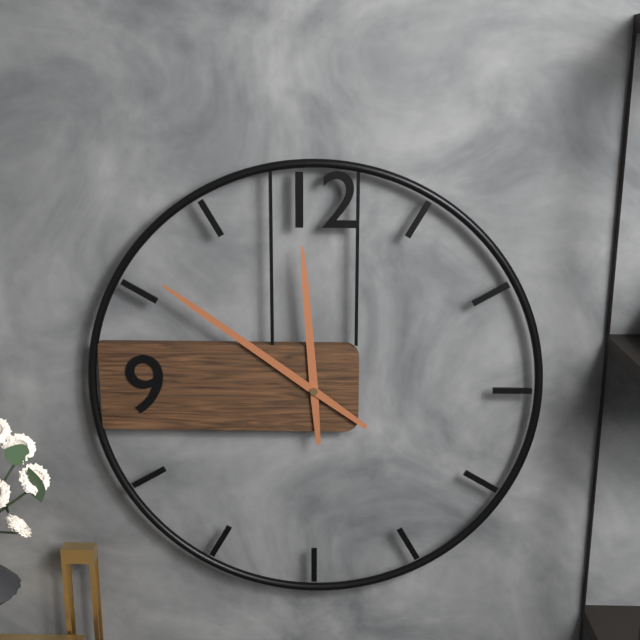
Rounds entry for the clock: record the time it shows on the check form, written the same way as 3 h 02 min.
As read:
11 h 51 min
